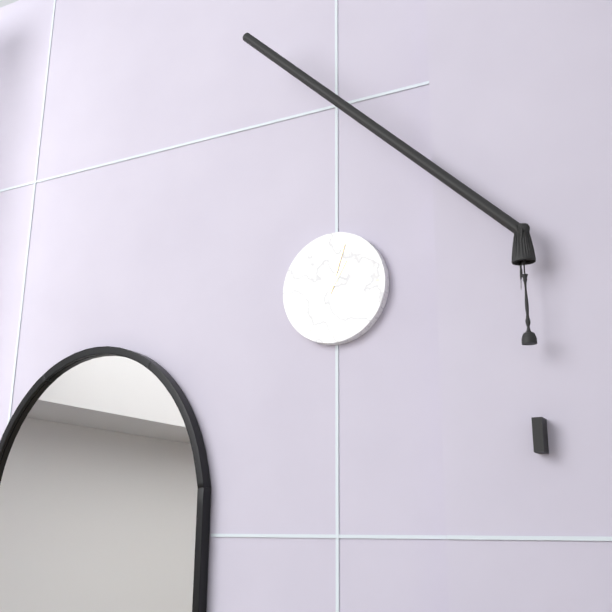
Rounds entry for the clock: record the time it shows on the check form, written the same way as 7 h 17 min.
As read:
1 h 03 min
